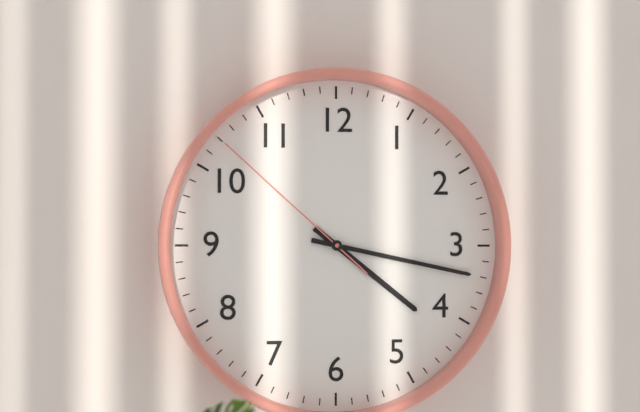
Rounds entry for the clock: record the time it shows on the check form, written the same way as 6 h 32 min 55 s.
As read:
4 h 17 min 52 s
